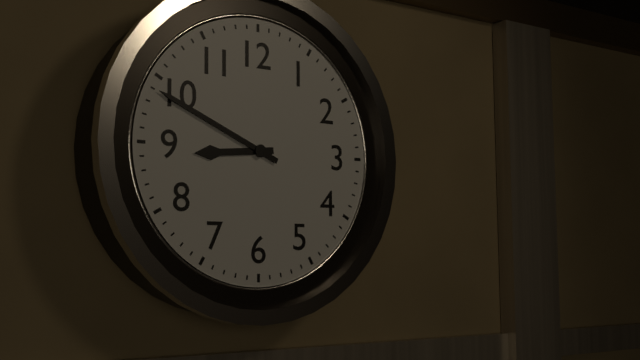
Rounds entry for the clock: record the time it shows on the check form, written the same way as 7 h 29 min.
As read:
8 h 49 min
